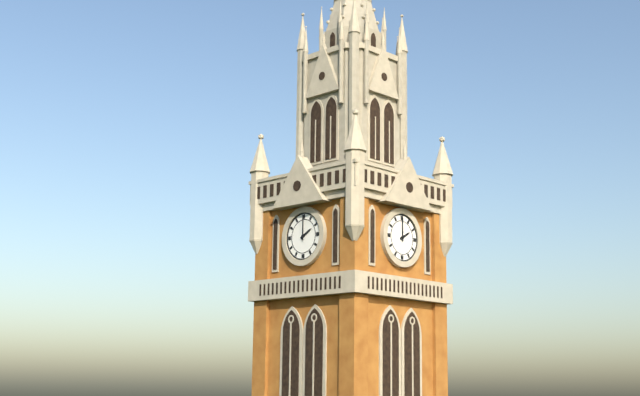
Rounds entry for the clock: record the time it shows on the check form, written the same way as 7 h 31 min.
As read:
2 h 00 min
